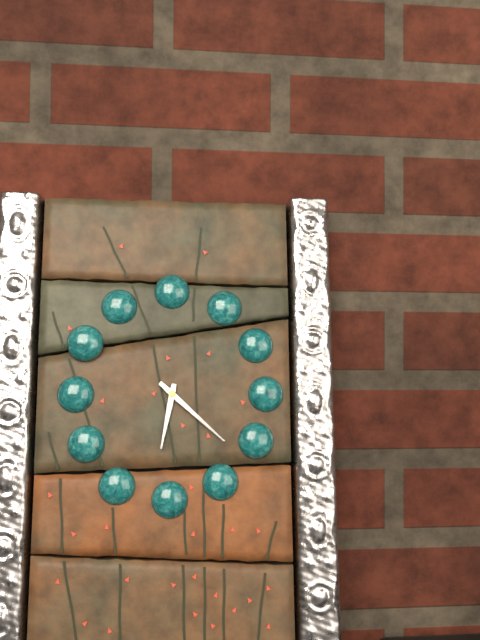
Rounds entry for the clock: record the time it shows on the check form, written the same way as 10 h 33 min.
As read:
6 h 22 min
